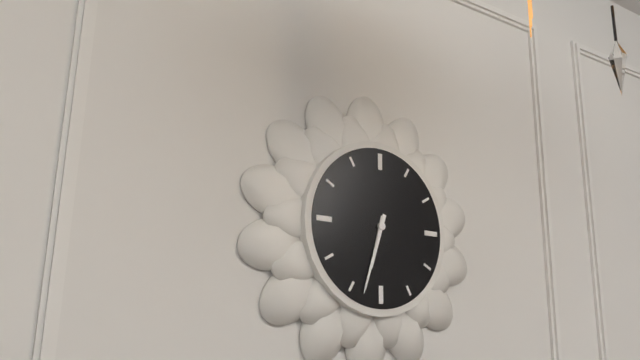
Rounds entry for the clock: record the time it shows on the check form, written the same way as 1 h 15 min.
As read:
6 h 33 min
